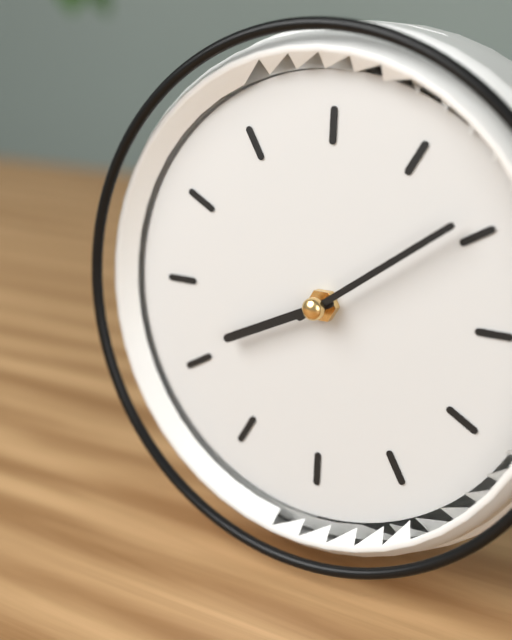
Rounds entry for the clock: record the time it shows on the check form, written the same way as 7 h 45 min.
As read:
8 h 09 min
